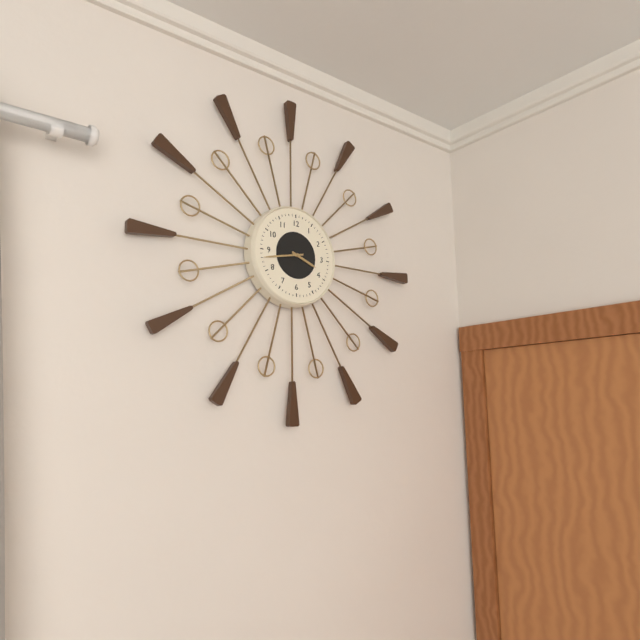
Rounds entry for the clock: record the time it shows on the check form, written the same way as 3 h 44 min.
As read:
3 h 43 min
